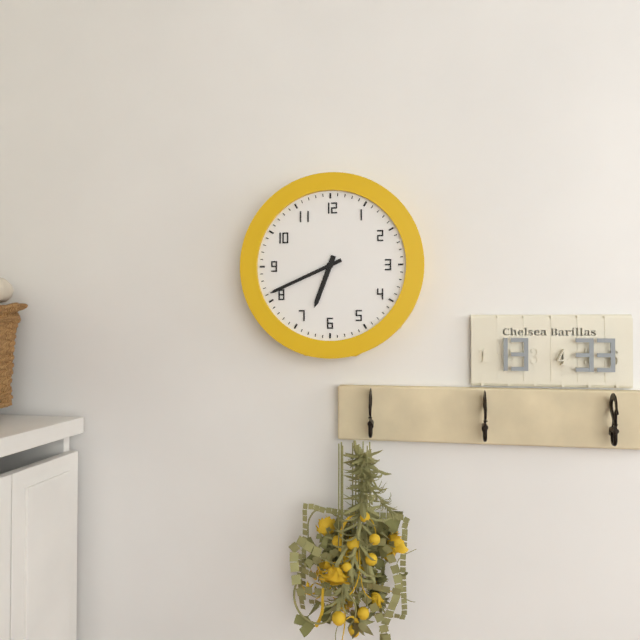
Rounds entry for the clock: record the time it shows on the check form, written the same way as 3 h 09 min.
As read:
6 h 41 min
